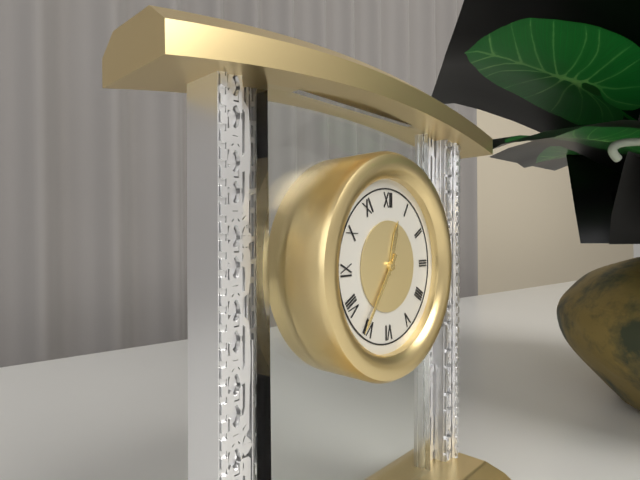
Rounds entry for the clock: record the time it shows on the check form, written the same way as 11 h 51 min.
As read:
12 h 36 min
